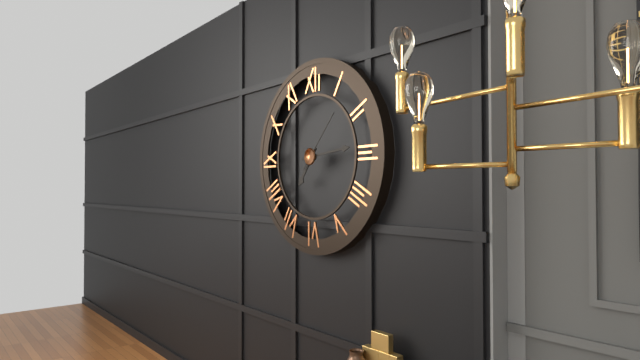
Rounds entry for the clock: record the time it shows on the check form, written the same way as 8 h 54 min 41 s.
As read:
7 h 14 min 07 s
